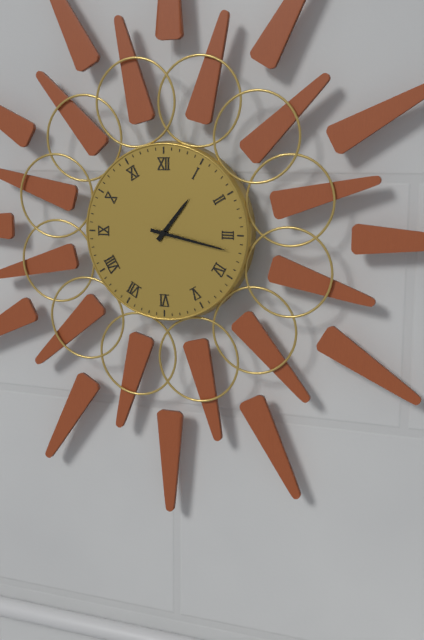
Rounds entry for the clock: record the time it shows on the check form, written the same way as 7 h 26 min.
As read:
1 h 17 min
